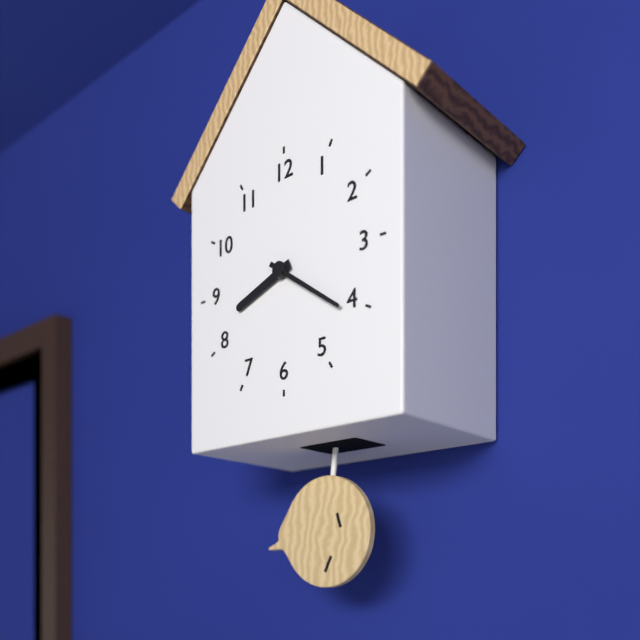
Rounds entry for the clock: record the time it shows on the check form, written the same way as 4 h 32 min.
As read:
8 h 21 min
